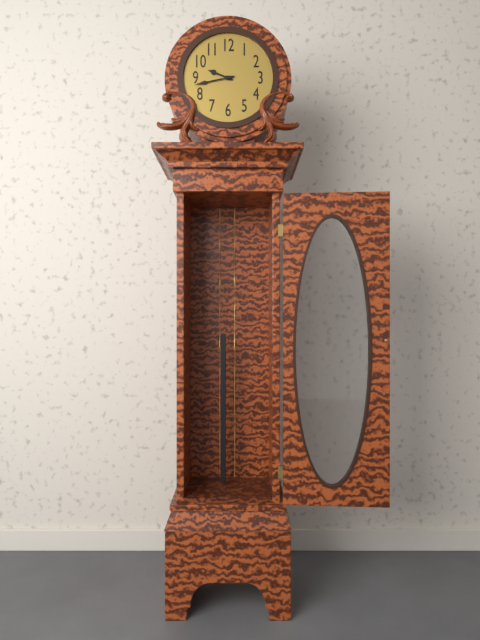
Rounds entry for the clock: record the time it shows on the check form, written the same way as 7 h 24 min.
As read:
9 h 43 min
